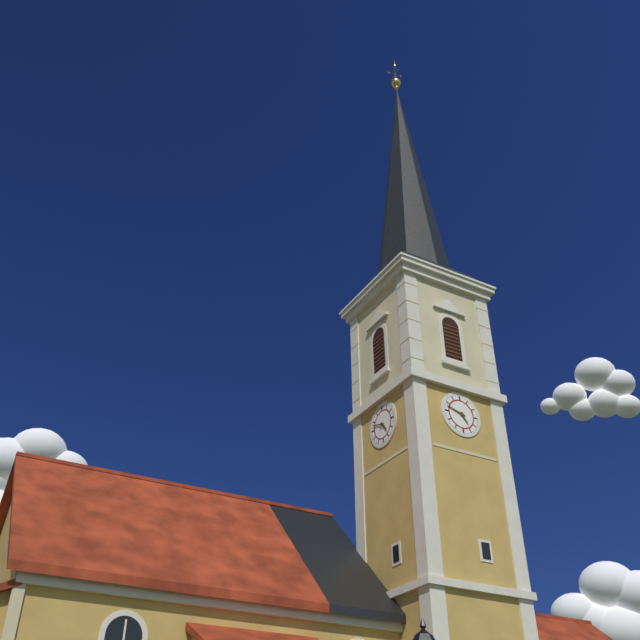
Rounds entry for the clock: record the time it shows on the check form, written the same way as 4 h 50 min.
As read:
4 h 48 min
